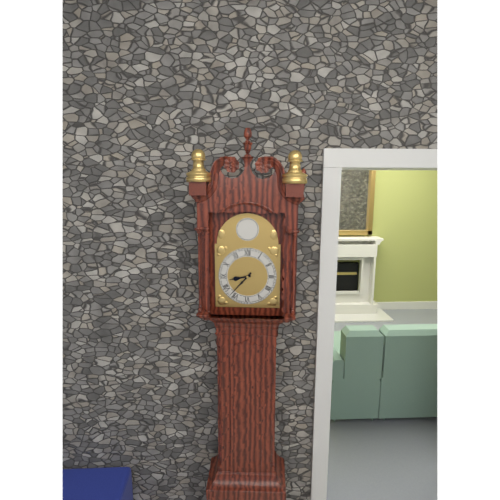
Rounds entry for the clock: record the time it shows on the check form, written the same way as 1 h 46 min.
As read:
8 h 37 min
